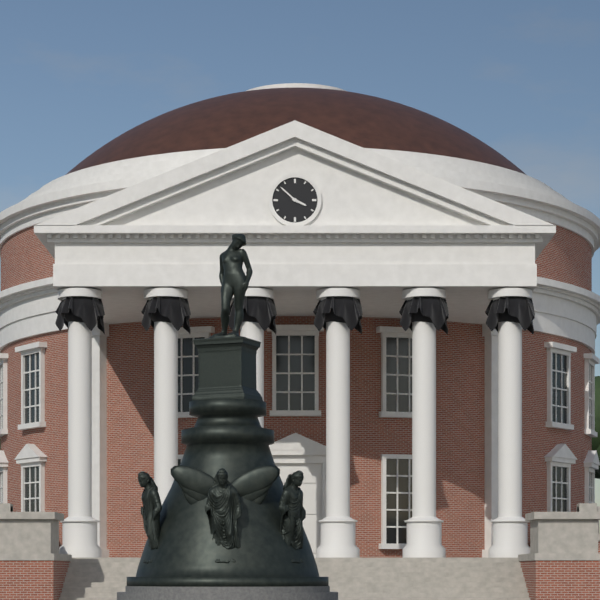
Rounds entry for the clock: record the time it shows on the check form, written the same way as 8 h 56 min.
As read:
3 h 52 min
